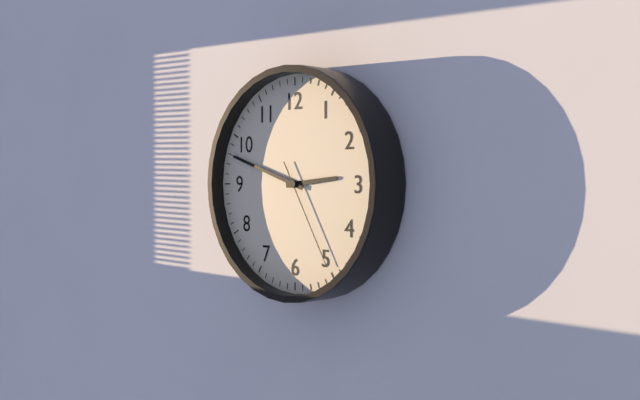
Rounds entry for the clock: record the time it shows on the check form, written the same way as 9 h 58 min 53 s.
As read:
2 h 48 min 25 s
